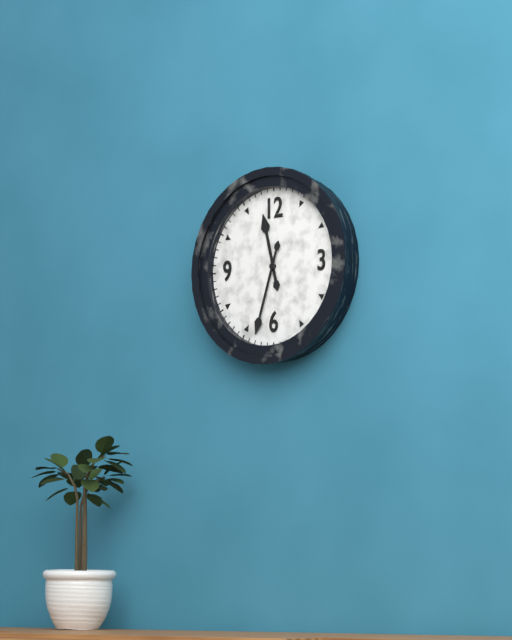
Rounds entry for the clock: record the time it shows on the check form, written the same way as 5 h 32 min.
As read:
11 h 33 min
